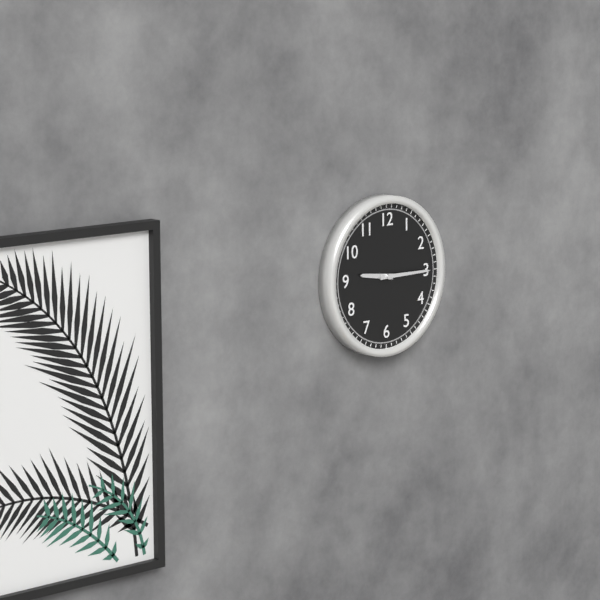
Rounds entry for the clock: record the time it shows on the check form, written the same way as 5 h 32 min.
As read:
9 h 15 min
